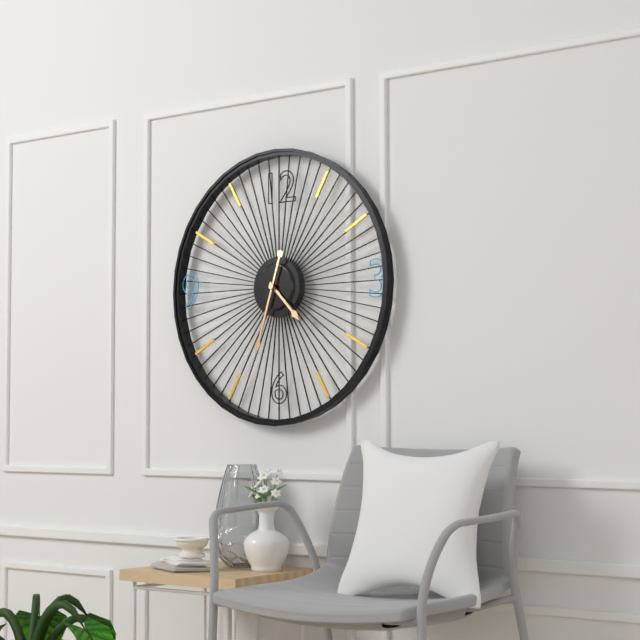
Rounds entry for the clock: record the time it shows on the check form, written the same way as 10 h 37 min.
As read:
4 h 33 min
